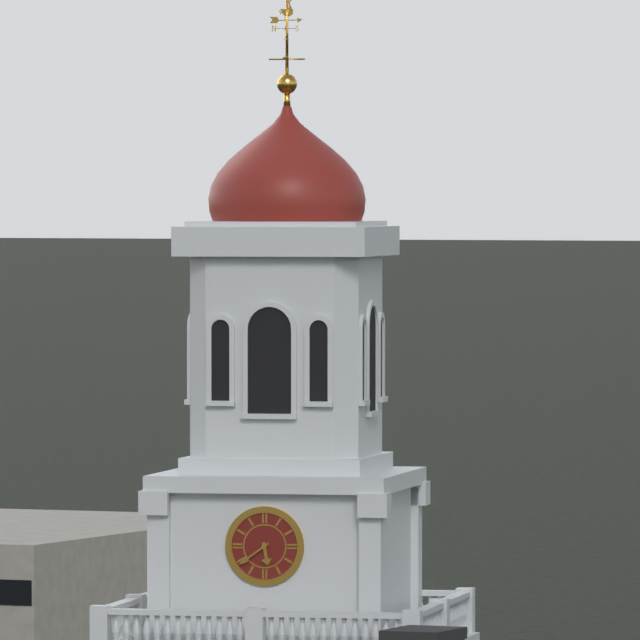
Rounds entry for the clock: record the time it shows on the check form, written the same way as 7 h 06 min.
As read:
5 h 39 min
